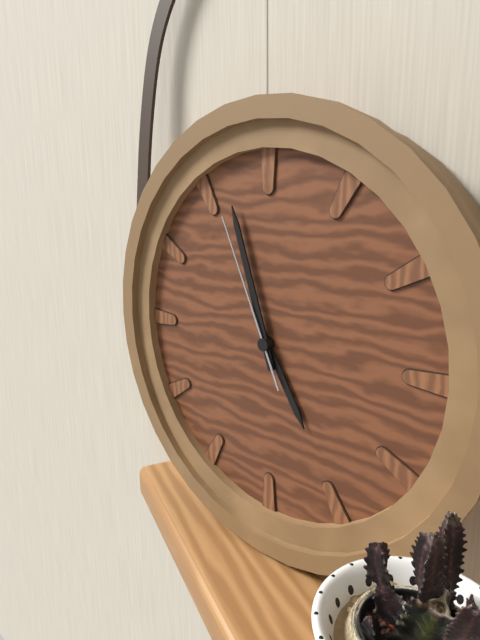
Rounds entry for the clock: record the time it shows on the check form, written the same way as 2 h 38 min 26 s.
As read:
4 h 57 min 56 s
